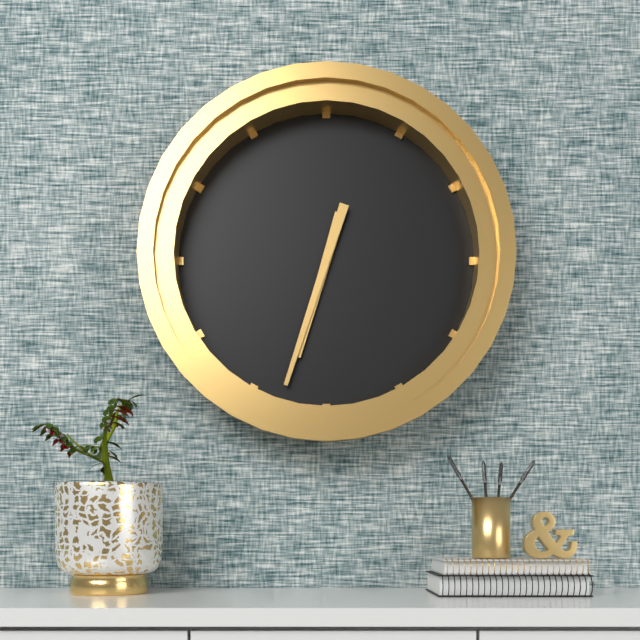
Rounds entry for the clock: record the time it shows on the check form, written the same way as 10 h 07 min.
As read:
6 h 33 min
